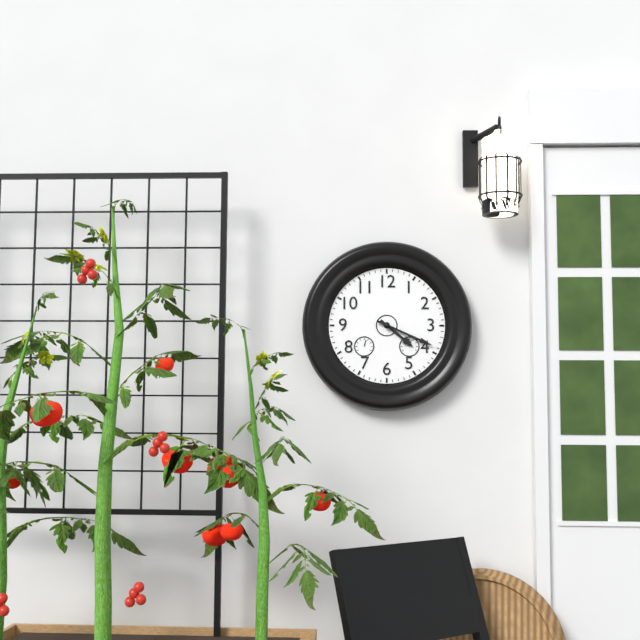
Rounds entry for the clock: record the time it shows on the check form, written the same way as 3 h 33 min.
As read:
4 h 19 min
